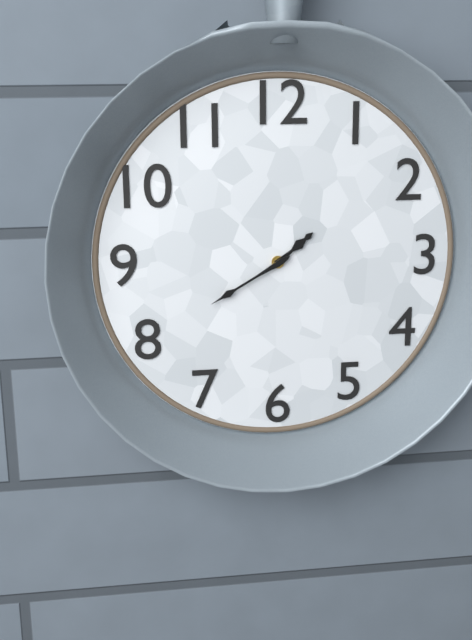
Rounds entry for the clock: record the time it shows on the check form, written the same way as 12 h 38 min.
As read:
1 h 40 min
